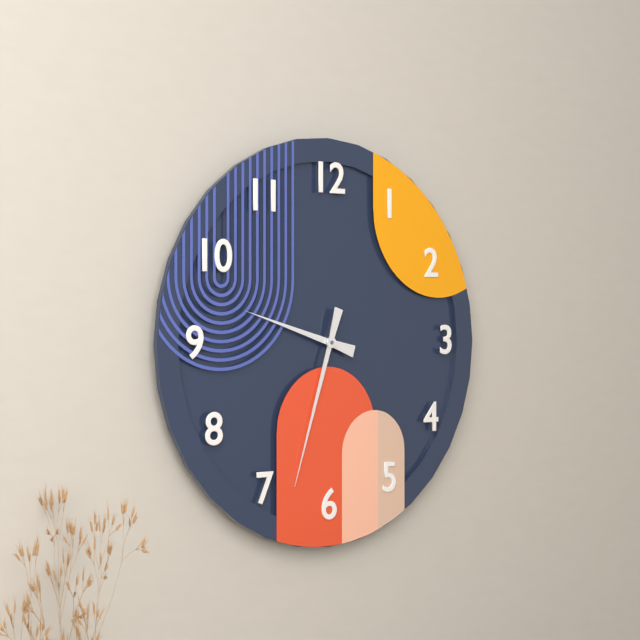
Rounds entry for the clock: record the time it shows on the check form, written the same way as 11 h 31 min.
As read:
9 h 33 min
